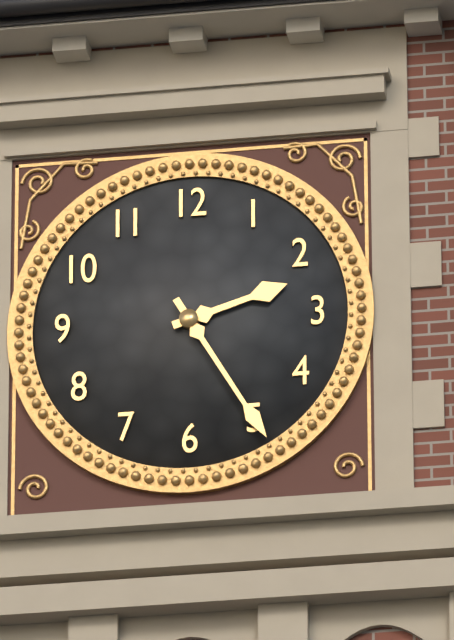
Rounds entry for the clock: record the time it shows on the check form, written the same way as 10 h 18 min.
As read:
2 h 25 min
